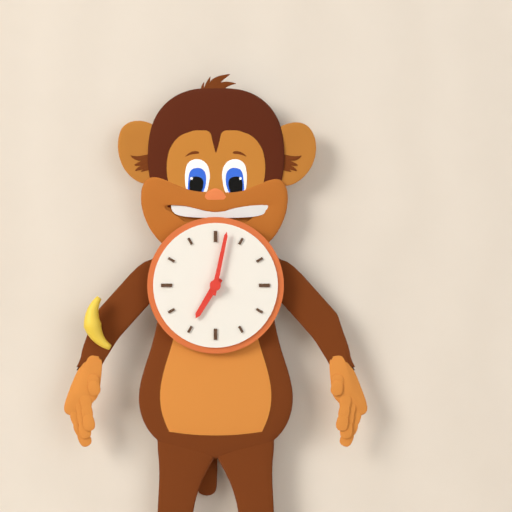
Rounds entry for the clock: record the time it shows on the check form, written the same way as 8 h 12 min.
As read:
7 h 02 min
